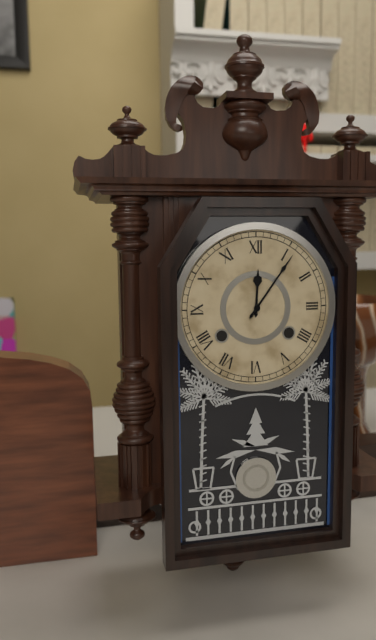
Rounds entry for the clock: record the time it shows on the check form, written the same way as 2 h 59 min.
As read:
12 h 06 min
